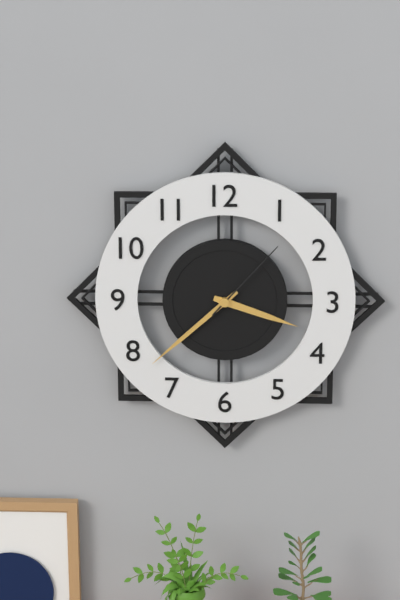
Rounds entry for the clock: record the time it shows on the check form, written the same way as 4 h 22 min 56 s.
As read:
3 h 38 min 07 s
